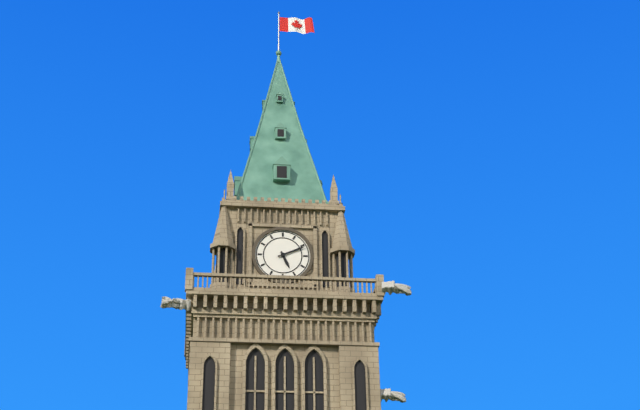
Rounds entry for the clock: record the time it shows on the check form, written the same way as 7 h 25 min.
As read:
5 h 11 min
